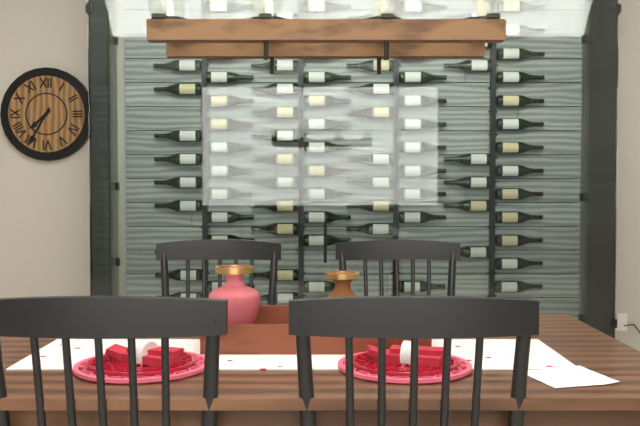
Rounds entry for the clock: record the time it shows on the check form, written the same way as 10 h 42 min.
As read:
7 h 35 min
